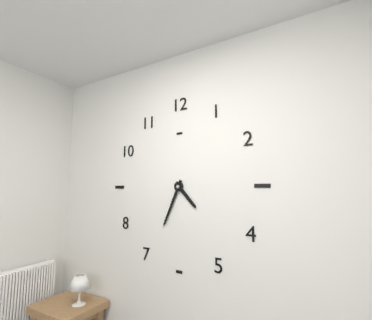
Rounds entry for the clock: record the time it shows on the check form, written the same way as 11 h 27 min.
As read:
4 h 34 min
